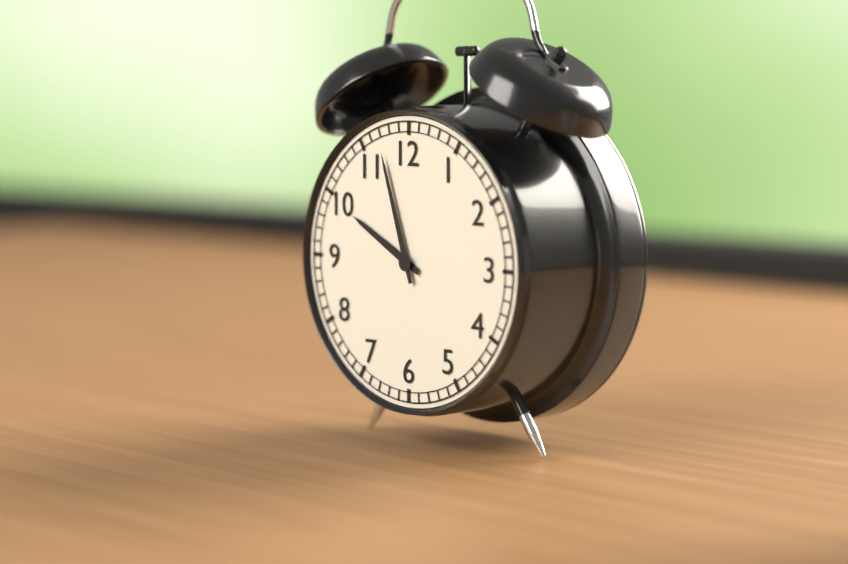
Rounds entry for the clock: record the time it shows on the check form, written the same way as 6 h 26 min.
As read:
9 h 57 min
